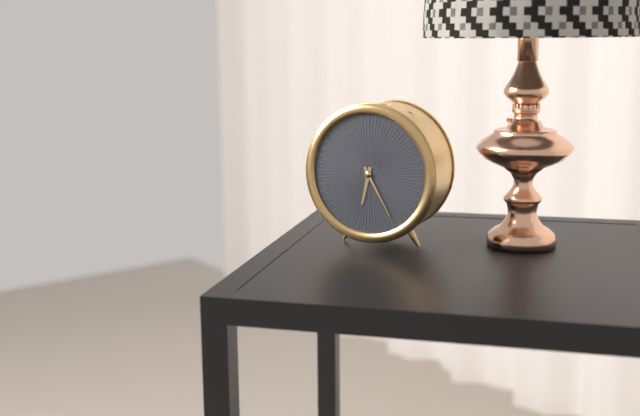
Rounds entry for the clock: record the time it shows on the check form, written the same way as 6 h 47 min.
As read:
6 h 25 min
